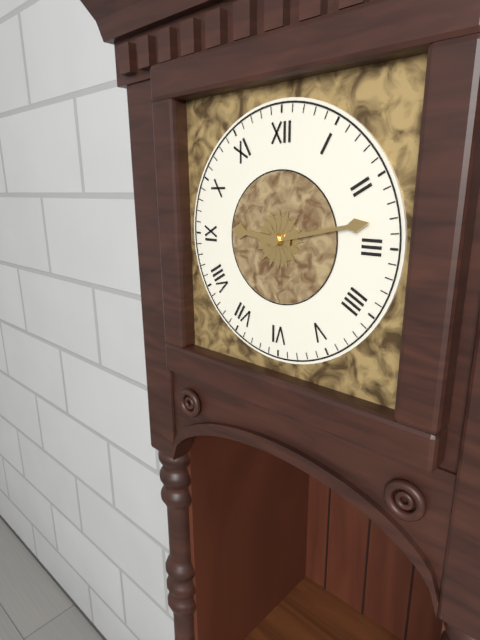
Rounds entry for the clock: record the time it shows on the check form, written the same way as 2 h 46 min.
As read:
9 h 13 min
